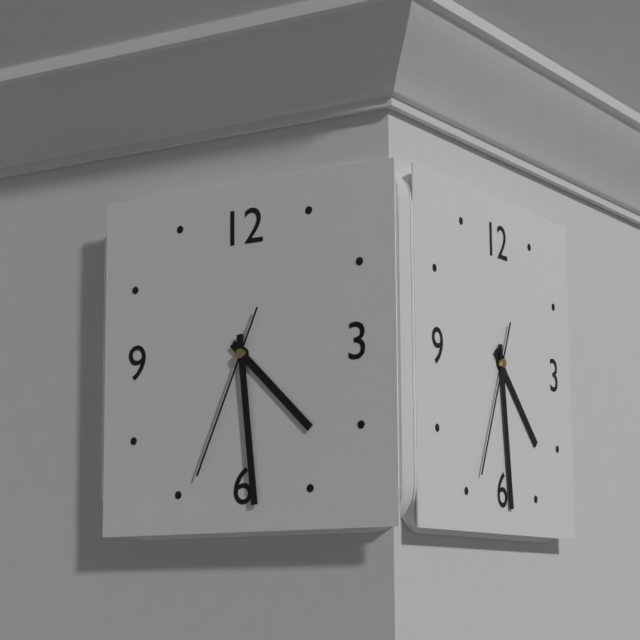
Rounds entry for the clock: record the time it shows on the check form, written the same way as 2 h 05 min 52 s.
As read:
4 h 29 min 34 s
